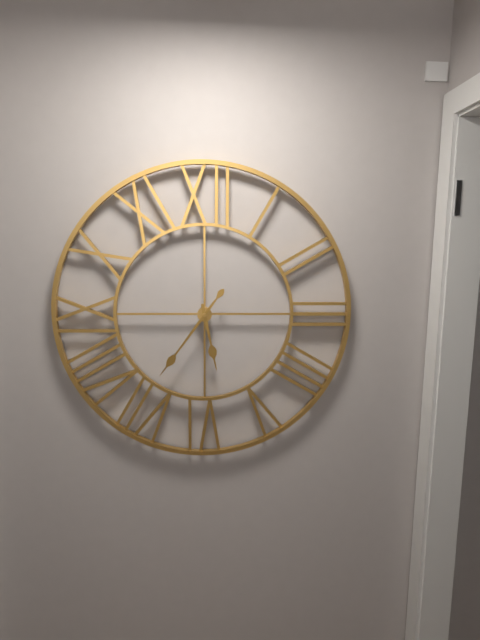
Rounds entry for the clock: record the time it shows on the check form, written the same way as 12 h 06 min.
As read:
5 h 36 min
